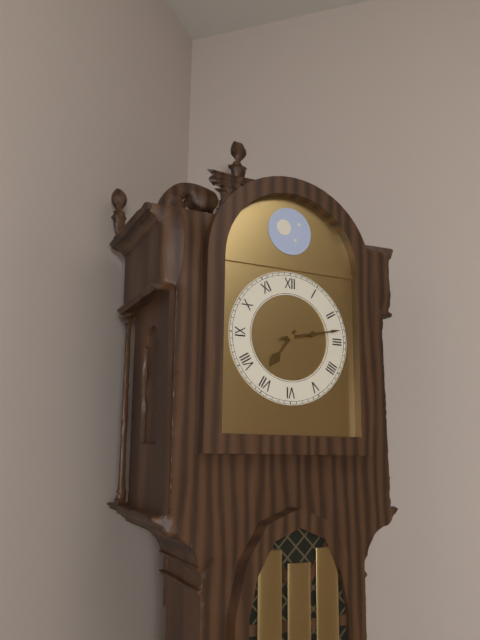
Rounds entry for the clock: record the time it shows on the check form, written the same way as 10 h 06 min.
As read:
7 h 13 min
